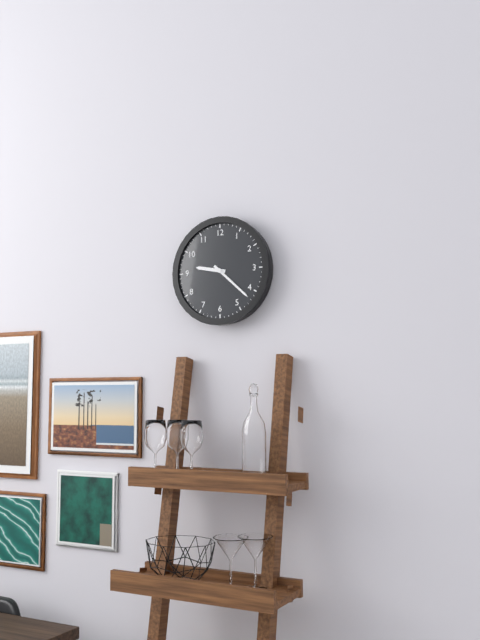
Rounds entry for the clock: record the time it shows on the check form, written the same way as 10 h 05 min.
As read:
9 h 22 min
